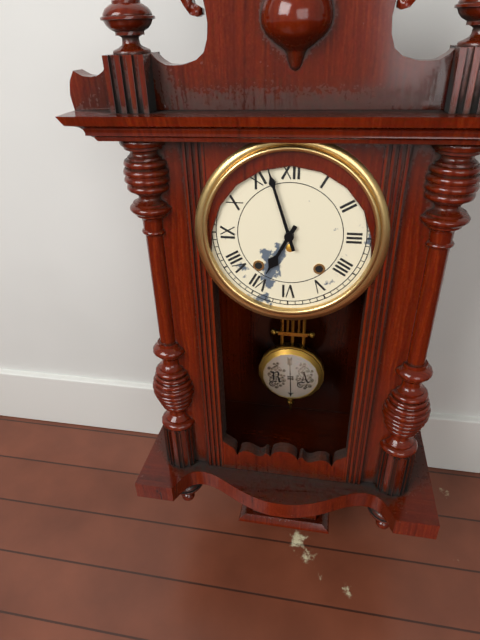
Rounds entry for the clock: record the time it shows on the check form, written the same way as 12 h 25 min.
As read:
6 h 57 min
